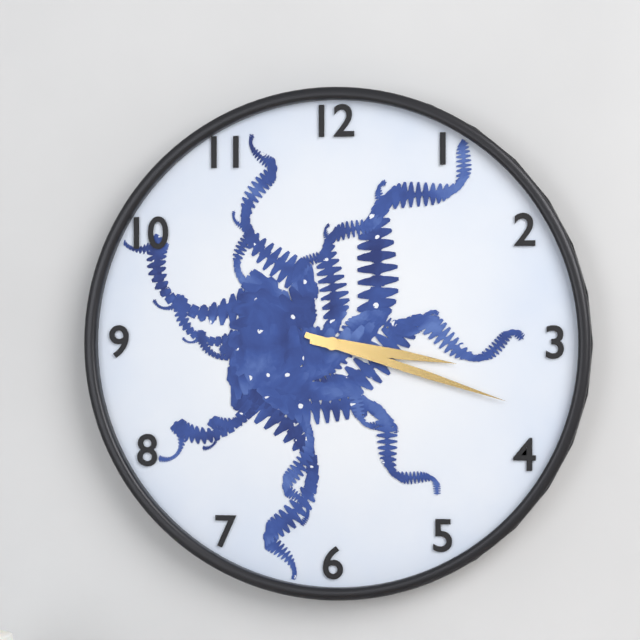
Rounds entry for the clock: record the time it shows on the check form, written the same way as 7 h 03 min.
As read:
3 h 18 min
